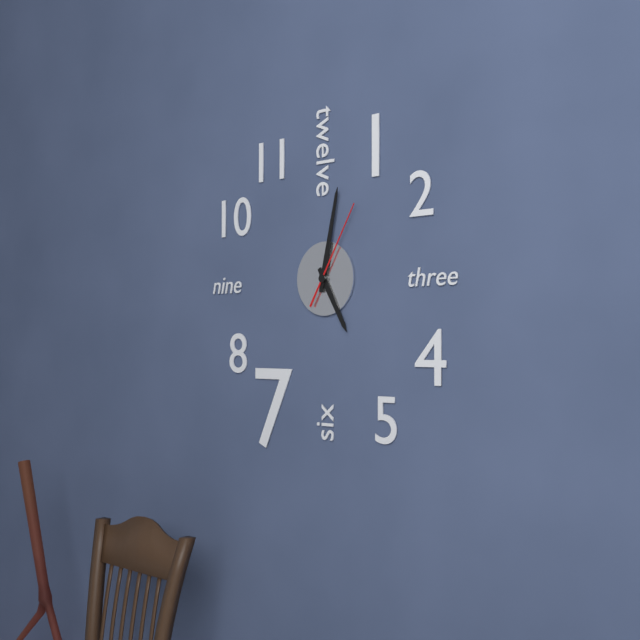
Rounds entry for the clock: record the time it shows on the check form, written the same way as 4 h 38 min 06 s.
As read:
5 h 02 min 05 s
